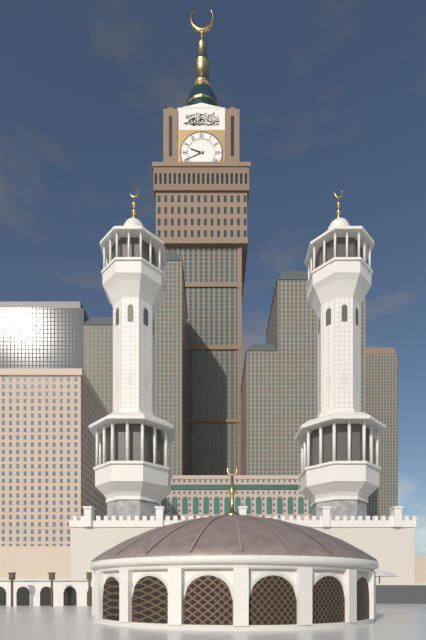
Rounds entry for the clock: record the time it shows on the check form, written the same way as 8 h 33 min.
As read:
9 h 41 min
